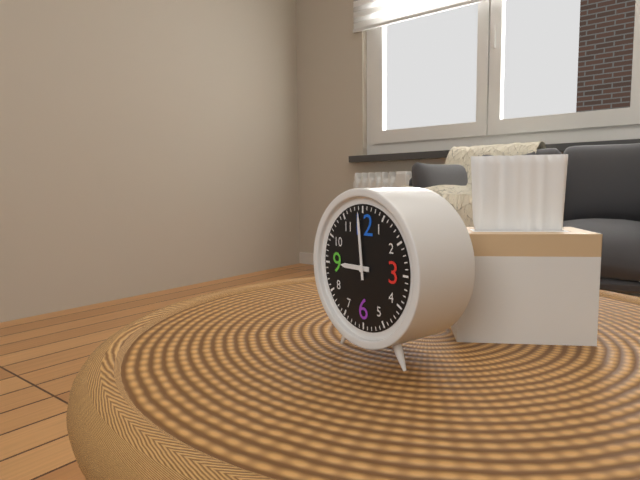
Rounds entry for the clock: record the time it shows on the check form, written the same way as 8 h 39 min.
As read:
8 h 59 min
